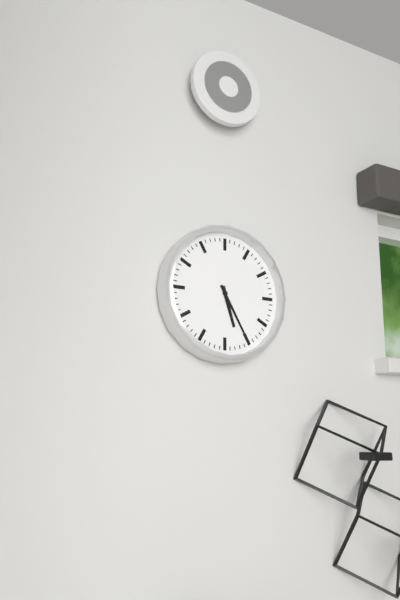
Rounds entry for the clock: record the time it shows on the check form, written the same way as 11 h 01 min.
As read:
5 h 25 min
